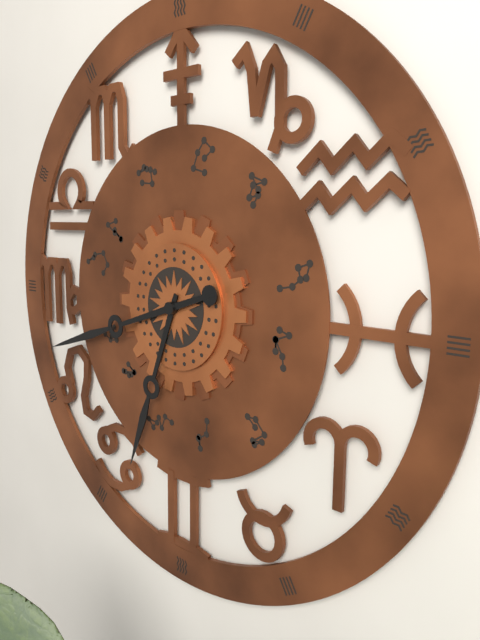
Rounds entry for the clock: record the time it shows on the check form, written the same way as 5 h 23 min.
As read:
6 h 42 min
